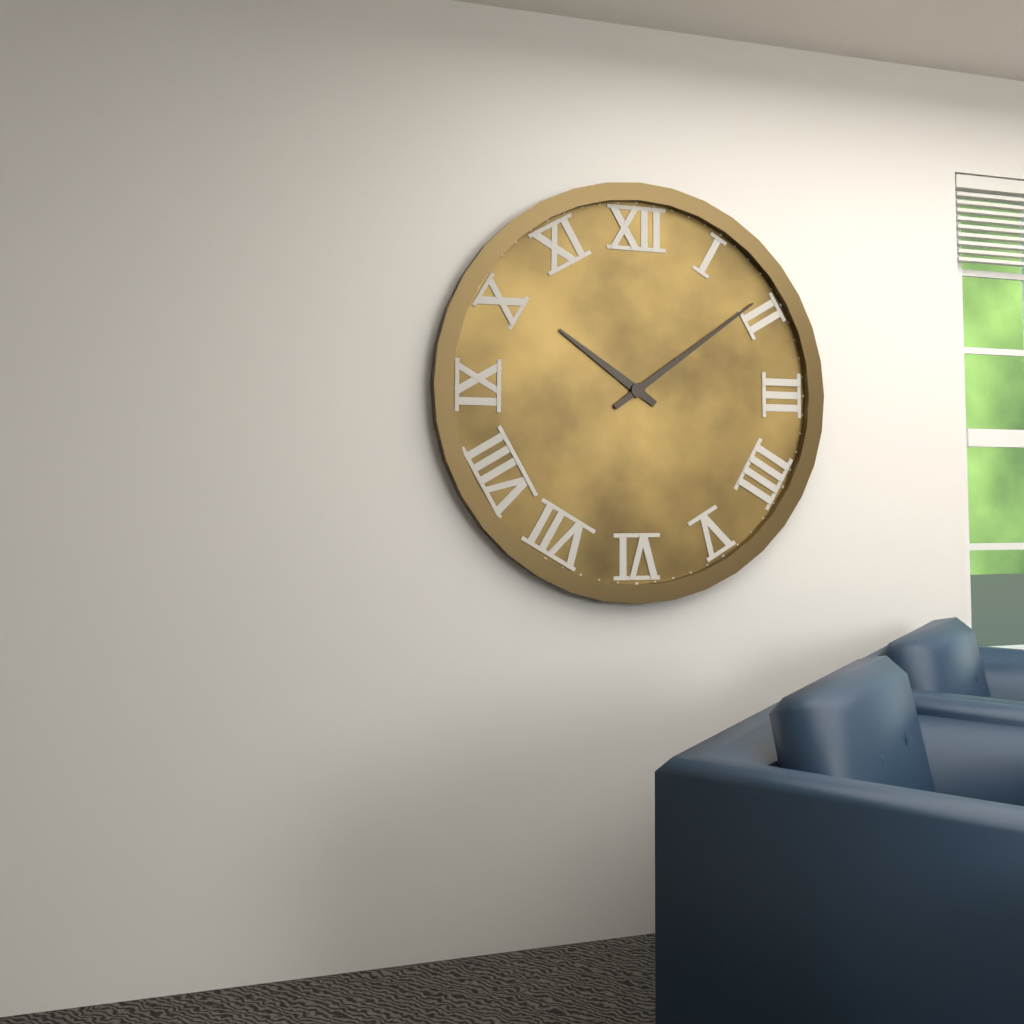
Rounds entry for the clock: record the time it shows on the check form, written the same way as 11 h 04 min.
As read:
10 h 09 min
